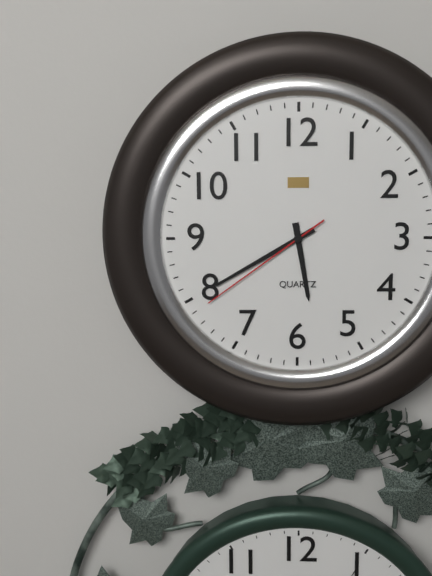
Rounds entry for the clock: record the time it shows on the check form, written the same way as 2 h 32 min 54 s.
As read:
5 h 40 min 39 s
